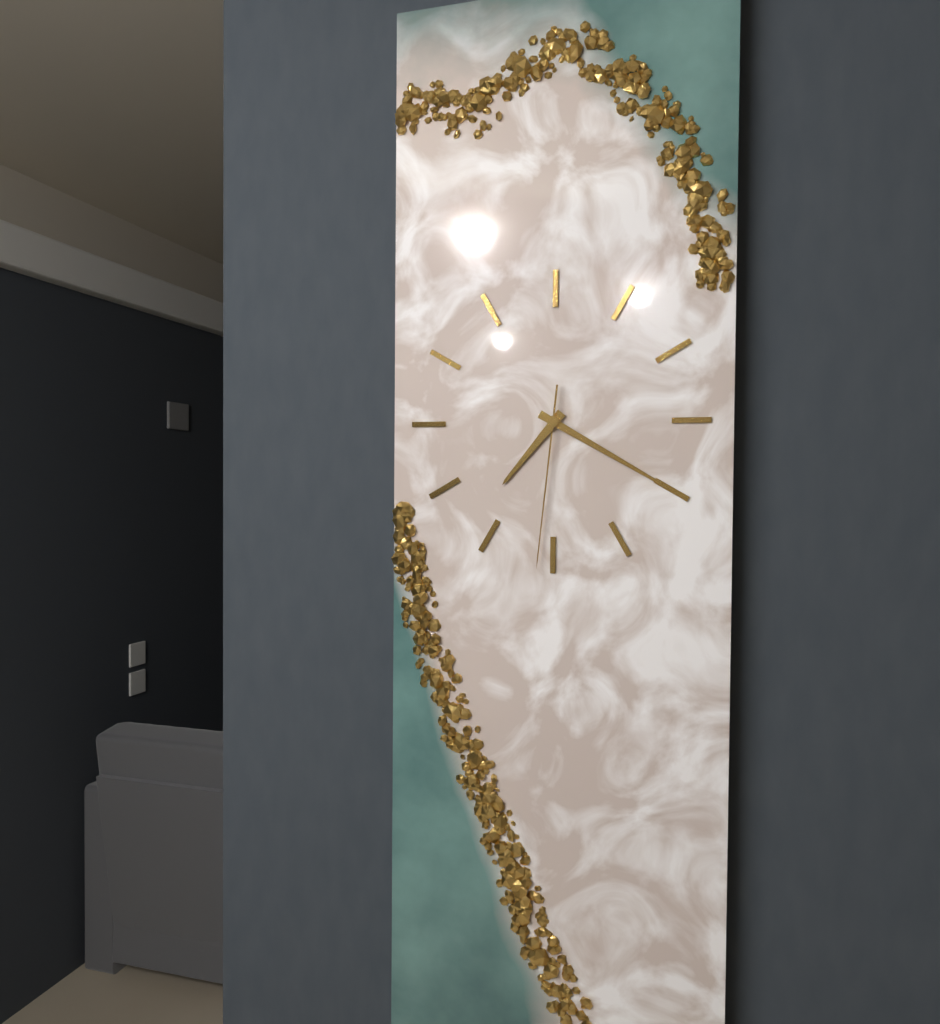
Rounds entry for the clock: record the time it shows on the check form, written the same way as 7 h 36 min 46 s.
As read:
7 h 20 min 31 s
